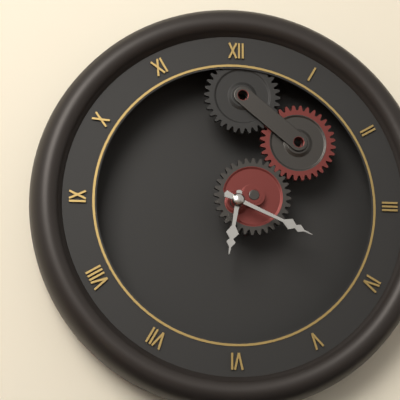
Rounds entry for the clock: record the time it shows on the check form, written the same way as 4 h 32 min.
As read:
6 h 19 min
